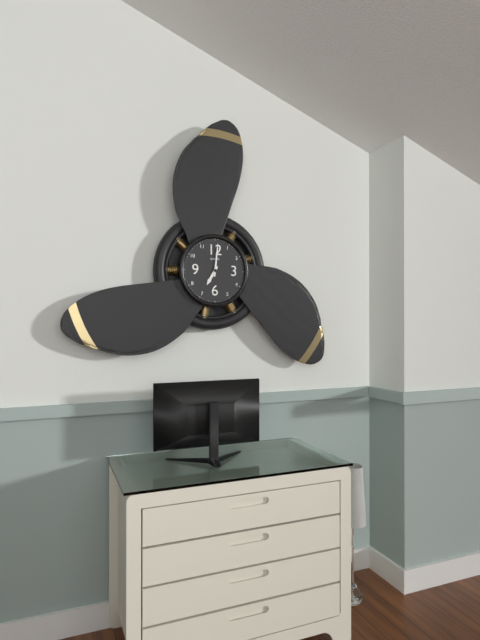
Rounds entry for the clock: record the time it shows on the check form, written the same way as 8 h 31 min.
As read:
7 h 01 min
